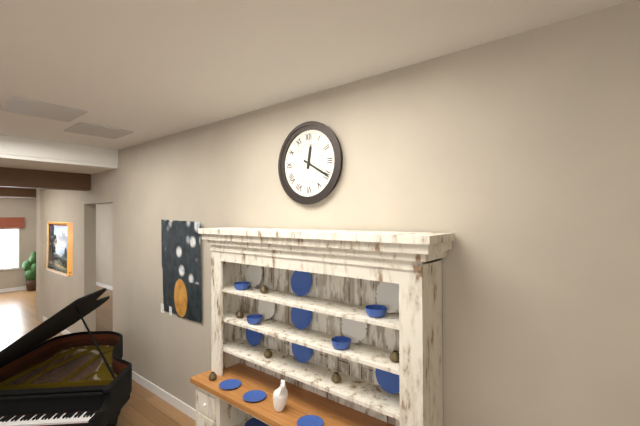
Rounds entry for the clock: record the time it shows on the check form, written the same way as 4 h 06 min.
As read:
12 h 20 min
